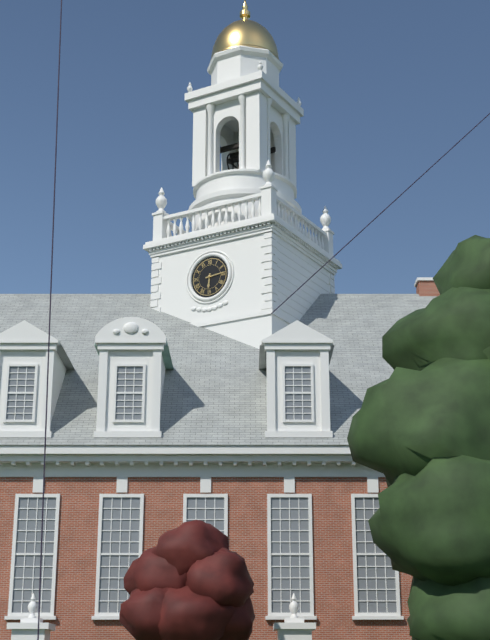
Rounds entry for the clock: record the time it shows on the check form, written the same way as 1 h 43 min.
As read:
6 h 14 min
